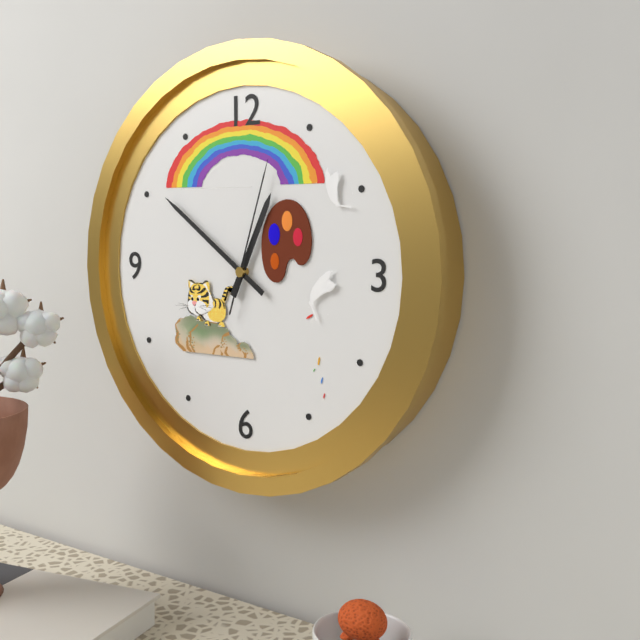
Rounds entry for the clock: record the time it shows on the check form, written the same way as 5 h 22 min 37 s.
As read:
12 h 51 min 03 s
